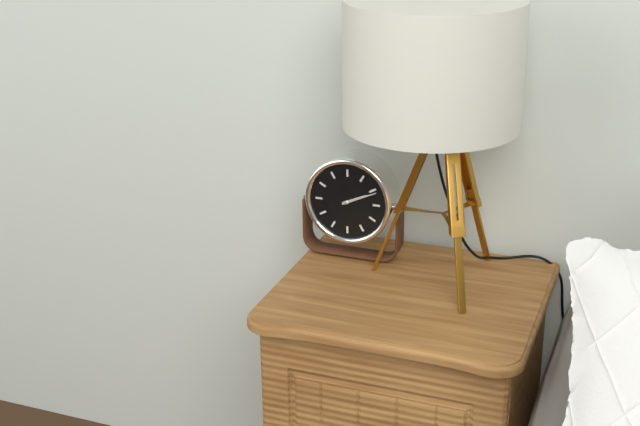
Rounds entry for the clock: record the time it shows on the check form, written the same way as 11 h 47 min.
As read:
2 h 11 min
